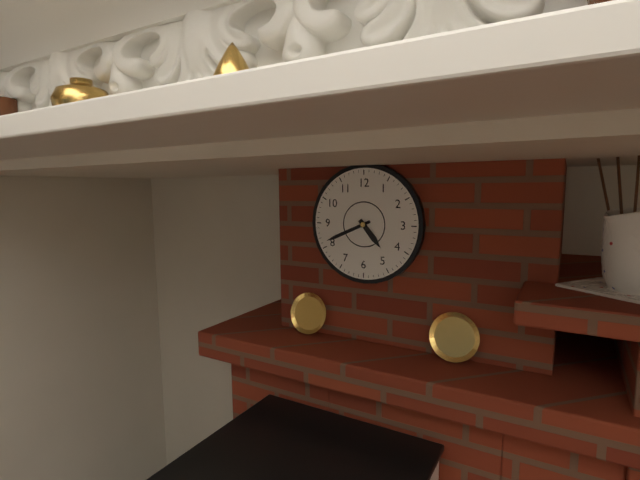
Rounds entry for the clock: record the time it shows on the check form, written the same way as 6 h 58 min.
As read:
4 h 41 min
